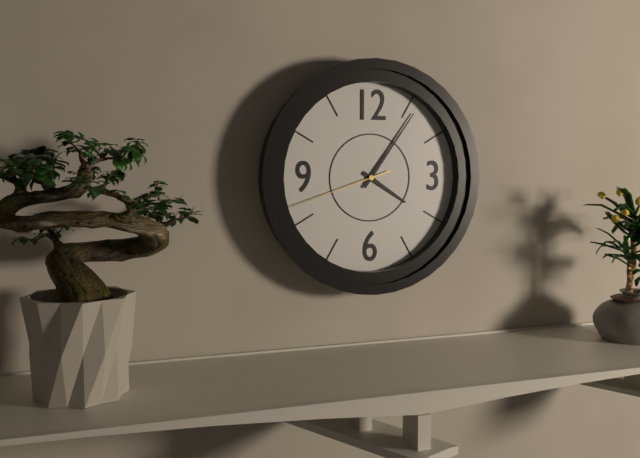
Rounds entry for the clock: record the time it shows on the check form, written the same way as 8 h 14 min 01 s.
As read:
4 h 06 min 42 s
